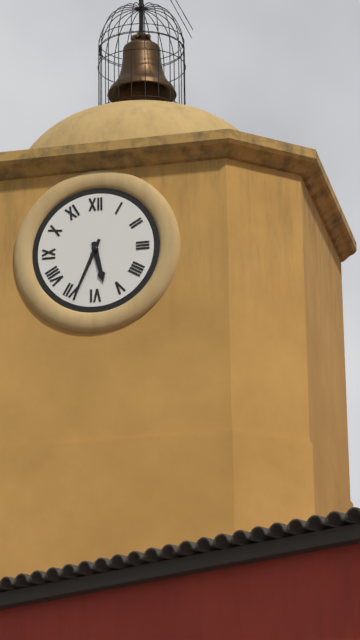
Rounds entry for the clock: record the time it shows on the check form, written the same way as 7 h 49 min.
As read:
5 h 34 min
